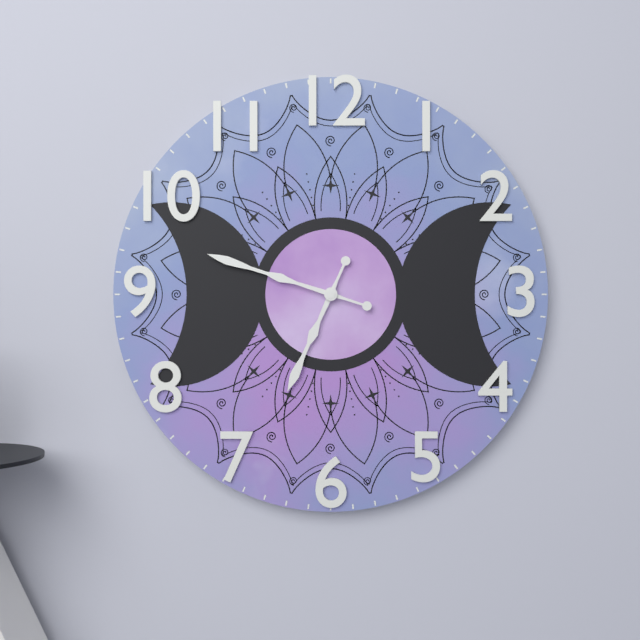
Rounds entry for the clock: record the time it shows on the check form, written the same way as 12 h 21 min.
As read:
6 h 48 min
